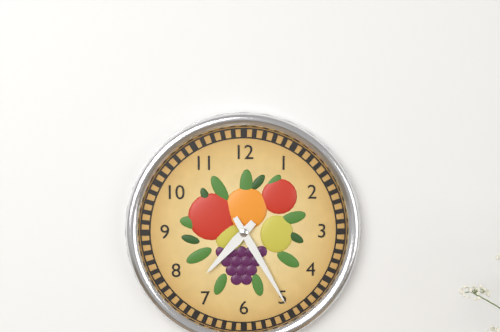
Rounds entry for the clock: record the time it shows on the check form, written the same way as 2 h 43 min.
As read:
7 h 25 min
